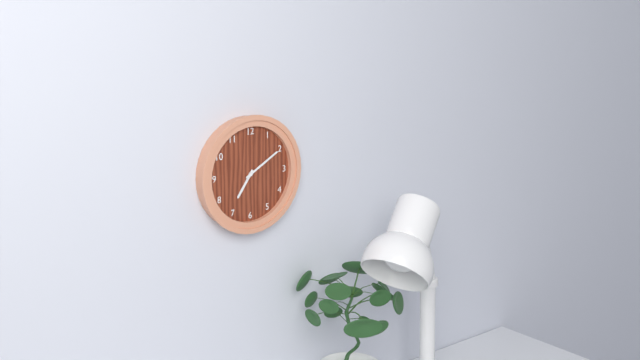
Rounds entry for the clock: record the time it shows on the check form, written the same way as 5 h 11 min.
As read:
7 h 10 min
